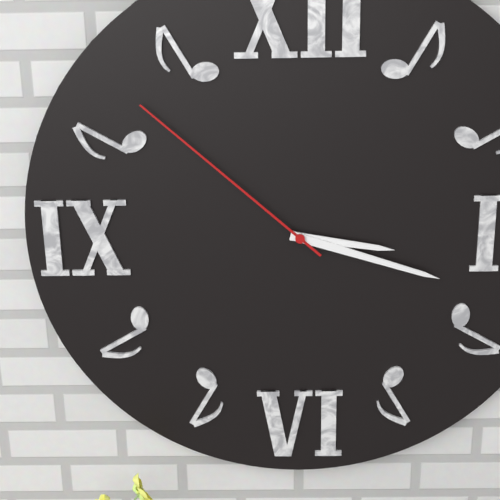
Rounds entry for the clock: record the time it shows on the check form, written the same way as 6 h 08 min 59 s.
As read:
3 h 18 min 52 s
